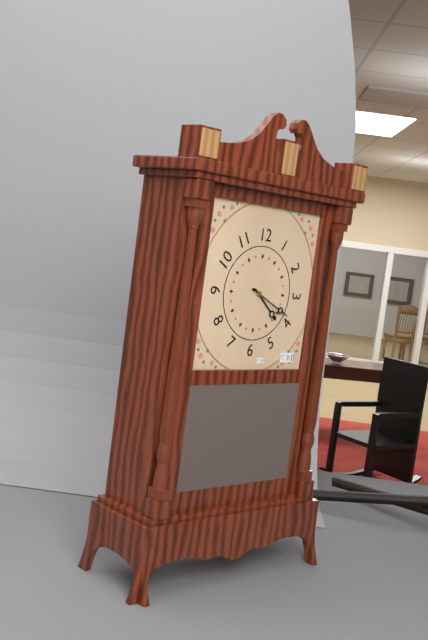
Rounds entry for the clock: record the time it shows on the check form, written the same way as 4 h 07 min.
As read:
4 h 19 min
